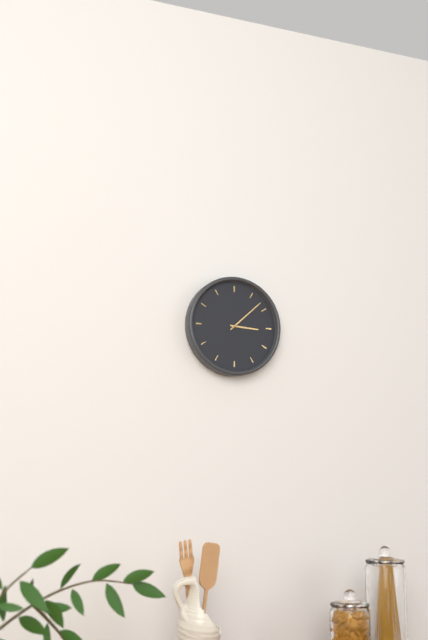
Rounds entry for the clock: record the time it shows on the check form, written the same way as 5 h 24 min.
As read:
3 h 08 min
